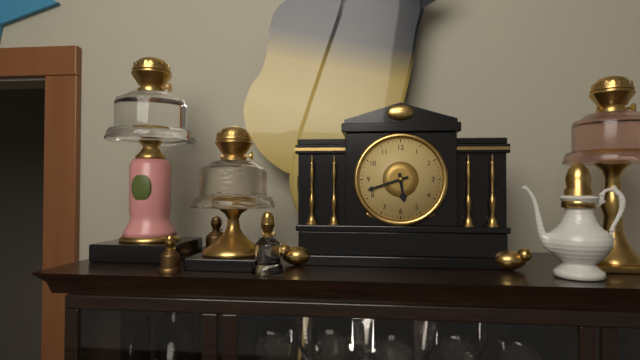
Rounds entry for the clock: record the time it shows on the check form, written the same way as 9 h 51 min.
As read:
5 h 42 min
